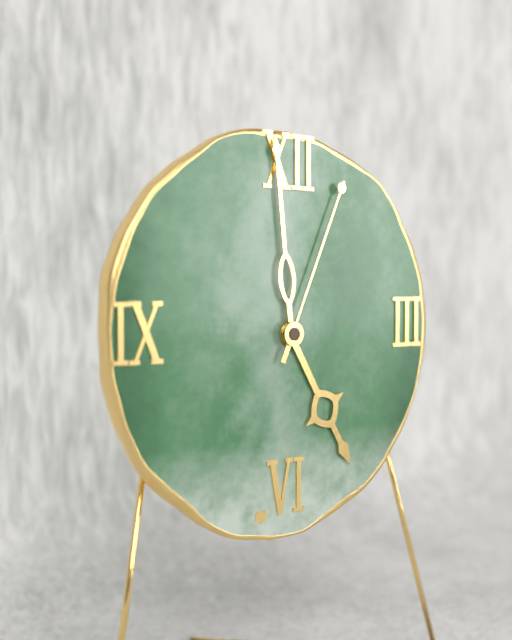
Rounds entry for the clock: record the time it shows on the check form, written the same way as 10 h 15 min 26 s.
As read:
4 h 59 min 04 s
